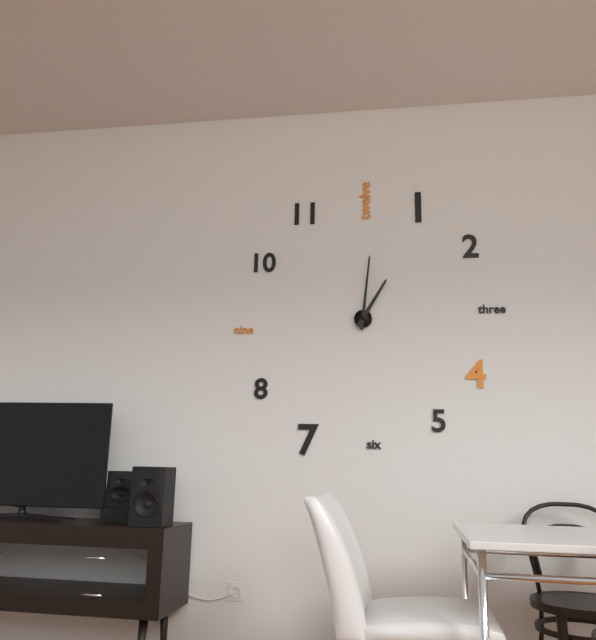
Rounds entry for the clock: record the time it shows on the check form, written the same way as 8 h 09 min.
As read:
1 h 01 min
